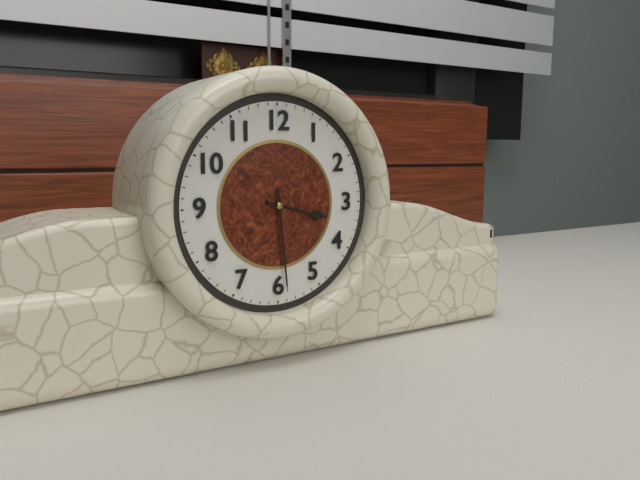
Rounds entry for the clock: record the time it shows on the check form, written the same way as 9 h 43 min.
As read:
3 h 29 min
